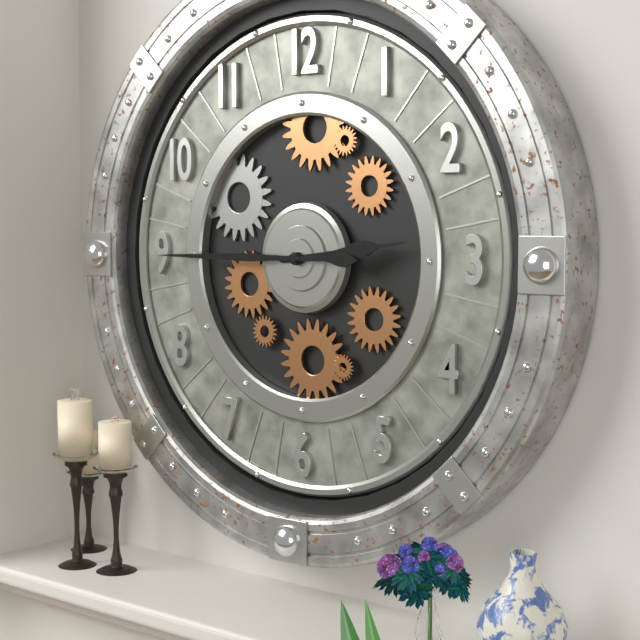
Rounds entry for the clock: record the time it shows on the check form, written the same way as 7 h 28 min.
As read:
2 h 45 min
